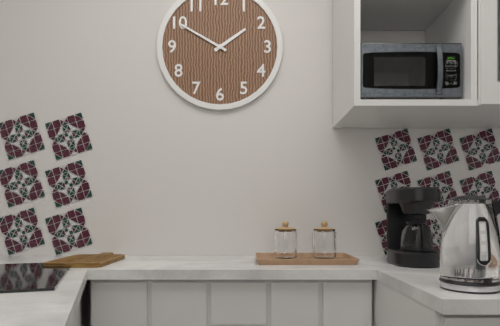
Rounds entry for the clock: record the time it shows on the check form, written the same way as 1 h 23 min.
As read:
1 h 50 min
